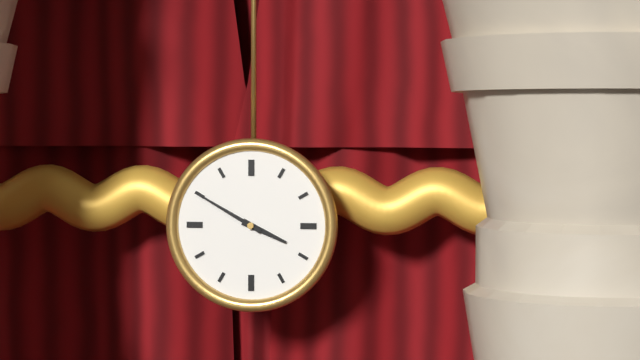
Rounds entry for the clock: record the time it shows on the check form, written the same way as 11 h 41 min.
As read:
3 h 50 min
